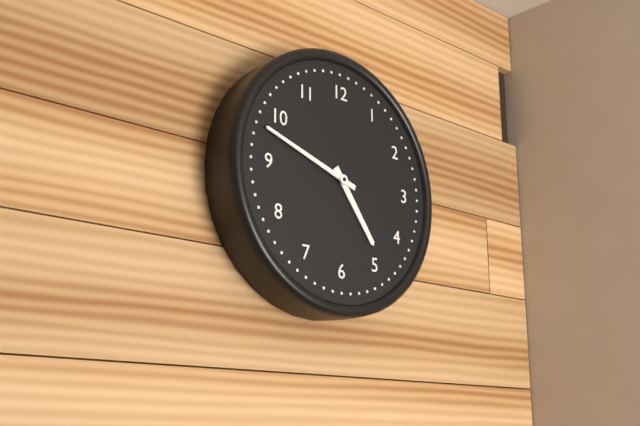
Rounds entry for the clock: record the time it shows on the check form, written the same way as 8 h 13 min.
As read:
4 h 48 min
